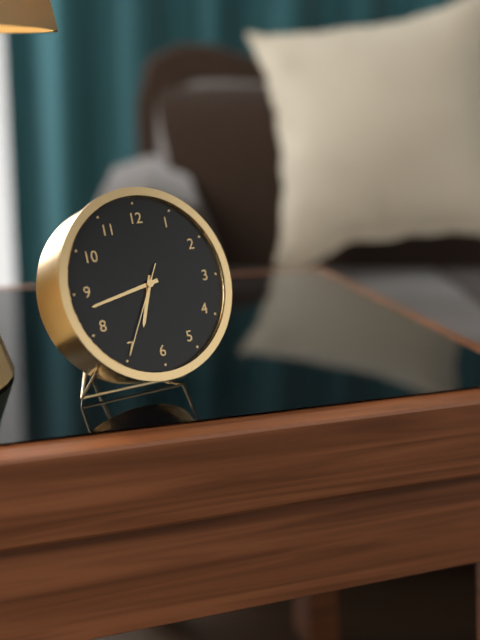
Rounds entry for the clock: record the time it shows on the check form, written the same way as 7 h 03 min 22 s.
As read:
6 h 43 min 35 s
